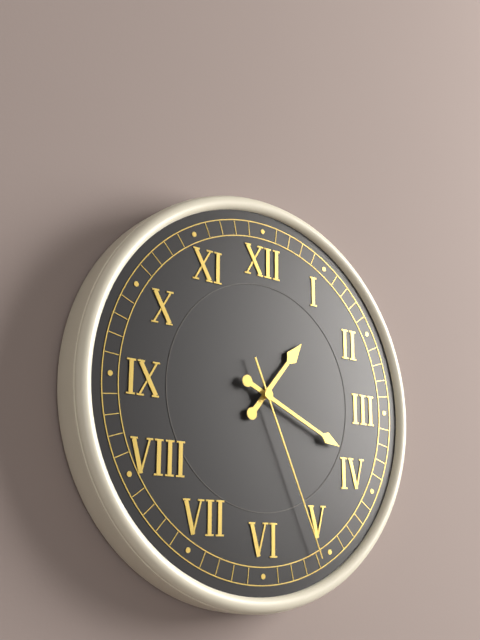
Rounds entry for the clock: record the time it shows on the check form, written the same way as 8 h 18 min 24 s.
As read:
1 h 19 min 26 s
